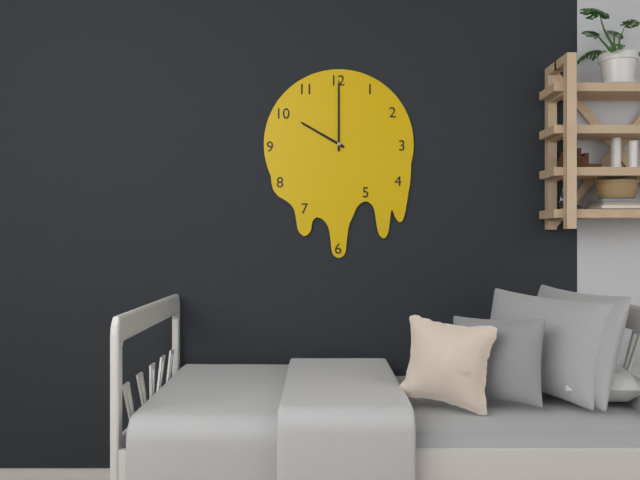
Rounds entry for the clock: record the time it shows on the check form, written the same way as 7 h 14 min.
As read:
10 h 00 min
